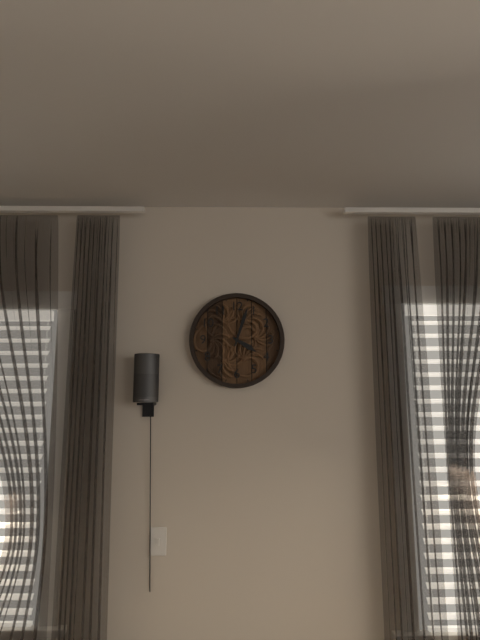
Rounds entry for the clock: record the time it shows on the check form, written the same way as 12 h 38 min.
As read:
4 h 03 min
